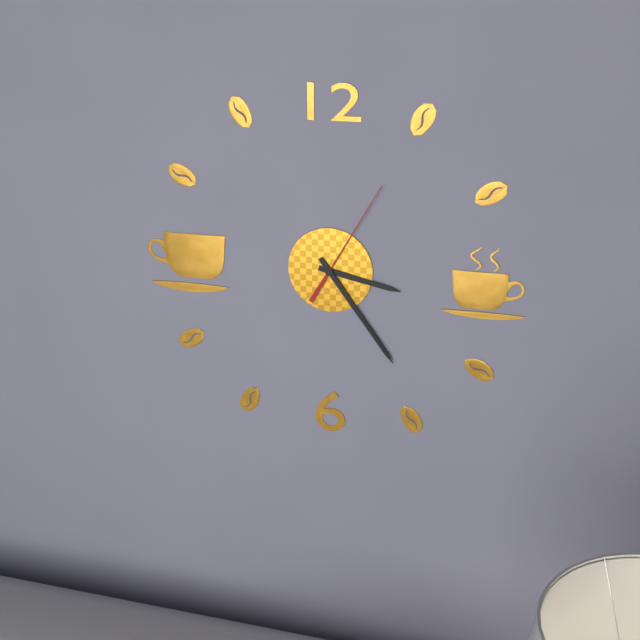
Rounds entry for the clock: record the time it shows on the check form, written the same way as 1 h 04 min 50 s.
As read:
3 h 24 min 05 s
